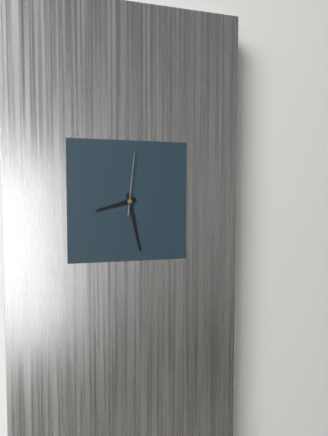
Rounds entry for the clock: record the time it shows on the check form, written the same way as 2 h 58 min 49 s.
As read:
8 h 28 min 01 s
